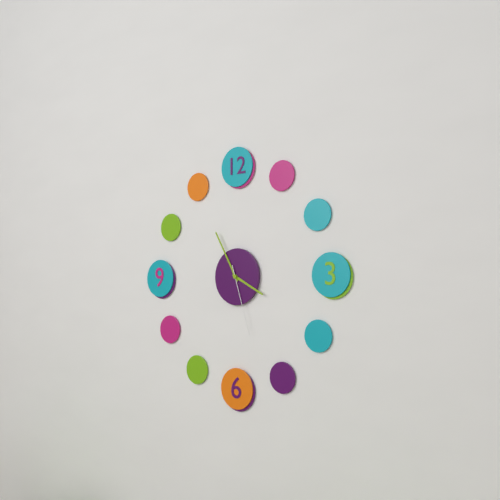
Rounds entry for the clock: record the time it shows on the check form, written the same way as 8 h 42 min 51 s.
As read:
3 h 55 min 27 s
